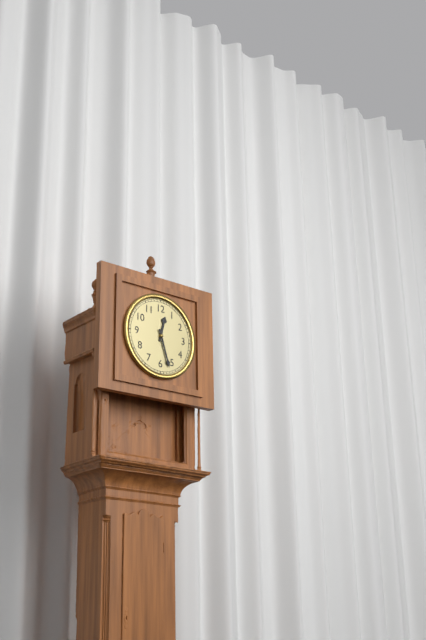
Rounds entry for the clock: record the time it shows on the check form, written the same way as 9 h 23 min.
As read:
12 h 27 min
